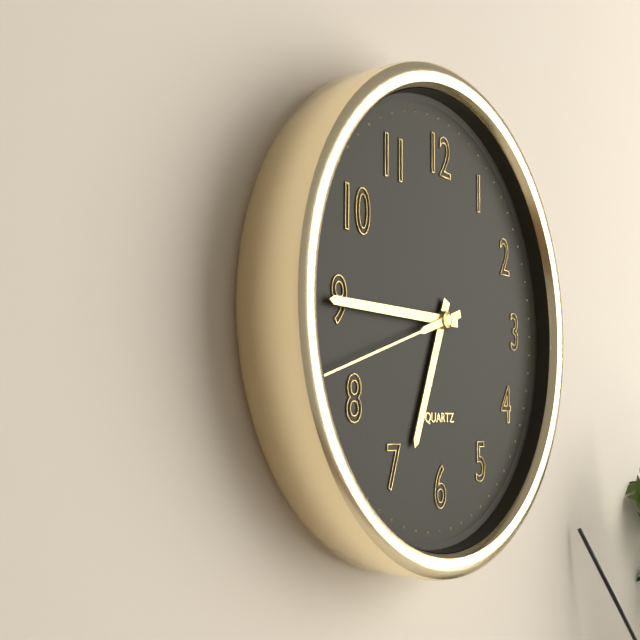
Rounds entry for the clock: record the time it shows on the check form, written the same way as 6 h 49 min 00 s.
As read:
6 h 45 min 42 s
